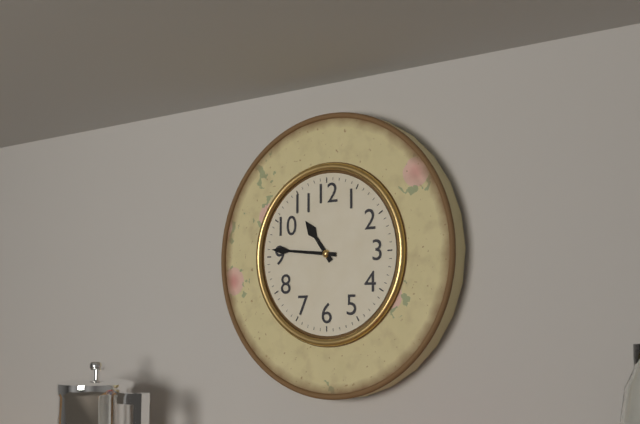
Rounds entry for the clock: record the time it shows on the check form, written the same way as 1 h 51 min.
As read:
10 h 46 min
